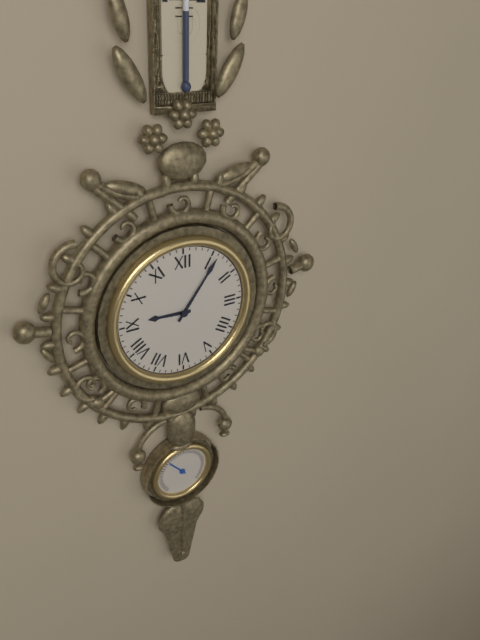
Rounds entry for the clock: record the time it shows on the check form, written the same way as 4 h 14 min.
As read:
9 h 06 min
